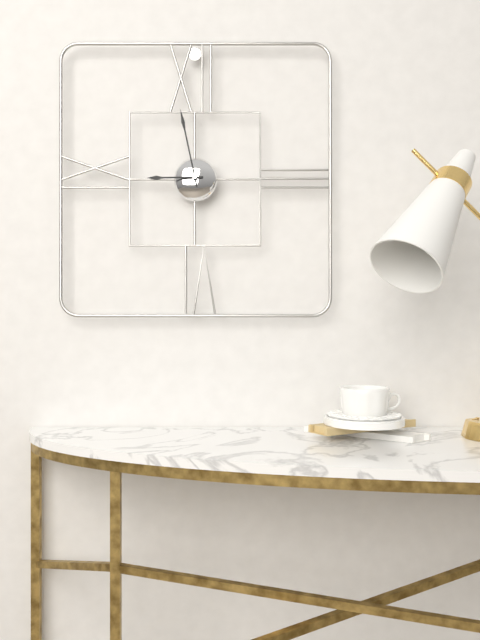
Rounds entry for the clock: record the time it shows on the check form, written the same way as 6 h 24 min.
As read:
8 h 58 min
